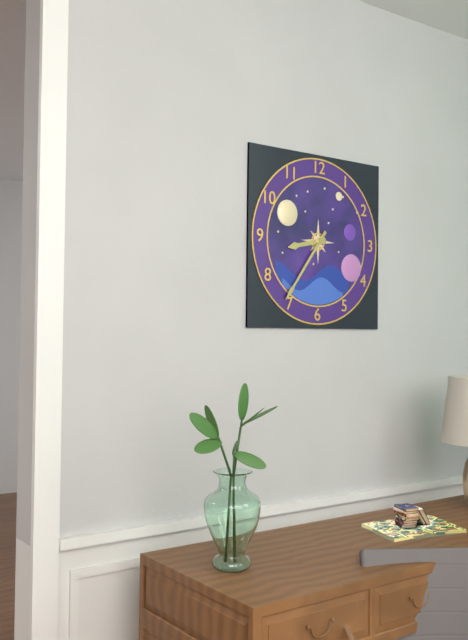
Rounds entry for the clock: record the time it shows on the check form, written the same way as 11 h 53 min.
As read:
8 h 36 min
